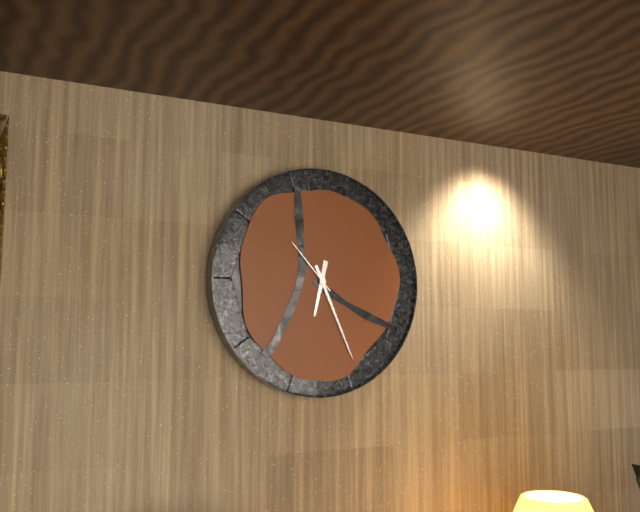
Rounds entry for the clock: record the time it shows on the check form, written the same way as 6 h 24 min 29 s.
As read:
6 h 26 min 53 s
